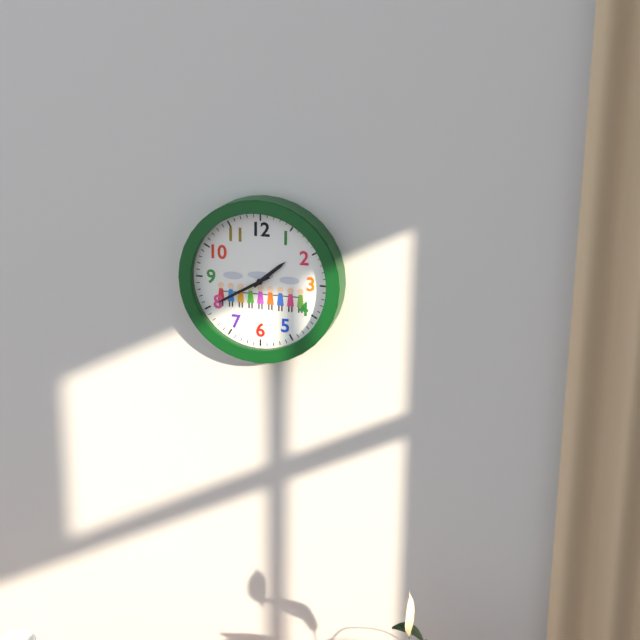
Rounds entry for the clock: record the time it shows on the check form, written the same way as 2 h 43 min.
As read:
1 h 40 min
